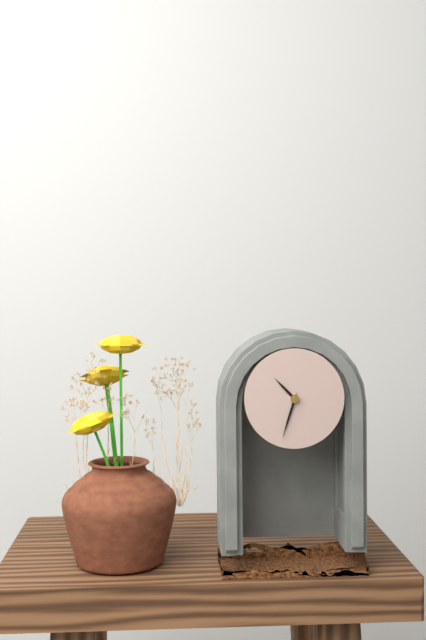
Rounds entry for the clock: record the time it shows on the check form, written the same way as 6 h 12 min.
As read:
10 h 33 min
